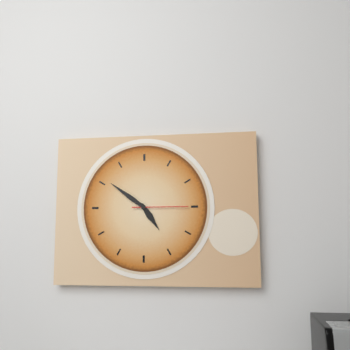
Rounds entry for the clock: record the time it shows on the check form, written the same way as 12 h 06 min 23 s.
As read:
4 h 51 min 15 s
